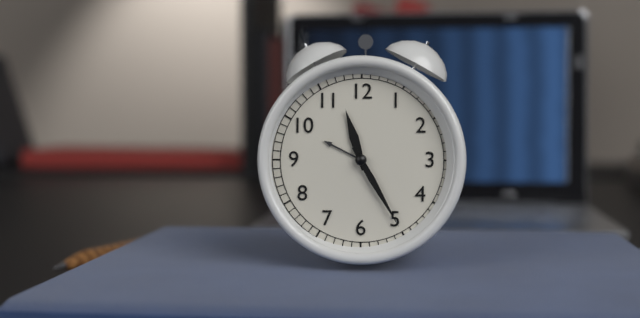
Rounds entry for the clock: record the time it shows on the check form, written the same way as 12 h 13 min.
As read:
11 h 25 min
